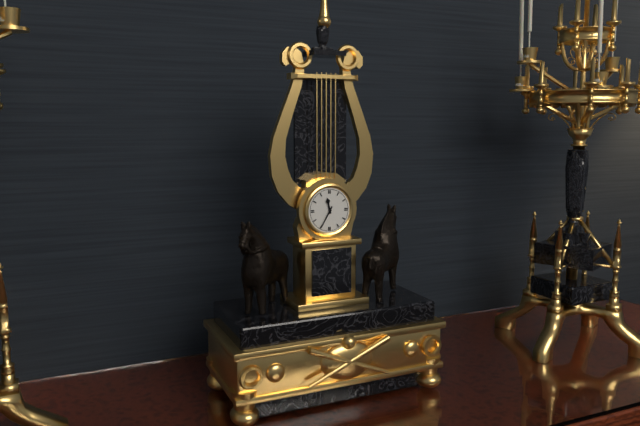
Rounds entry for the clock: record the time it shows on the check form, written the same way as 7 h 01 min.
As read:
11 h 35 min
